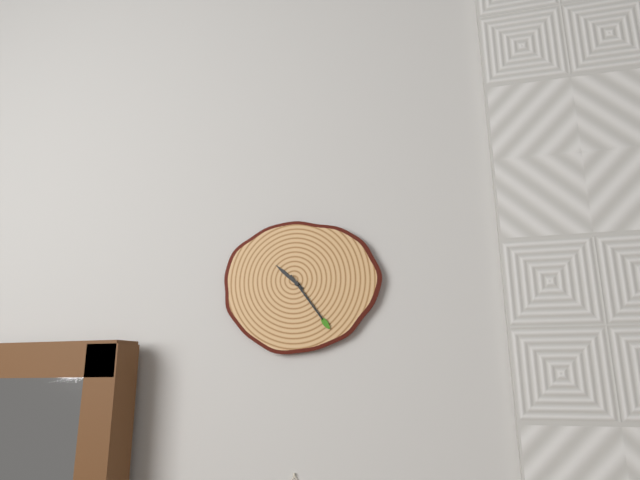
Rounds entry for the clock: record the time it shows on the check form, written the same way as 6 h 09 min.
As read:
10 h 24 min
